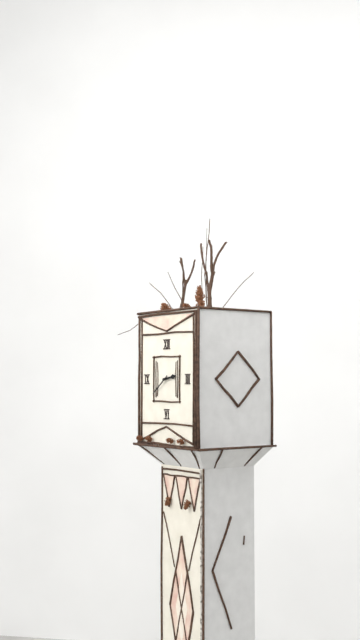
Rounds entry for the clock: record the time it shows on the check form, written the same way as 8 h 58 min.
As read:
2 h 39 min
